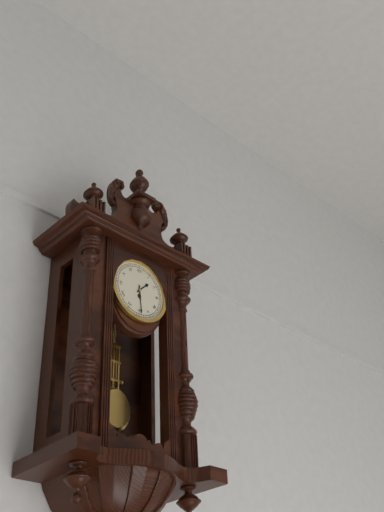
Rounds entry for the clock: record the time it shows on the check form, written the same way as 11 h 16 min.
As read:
1 h 29 min
